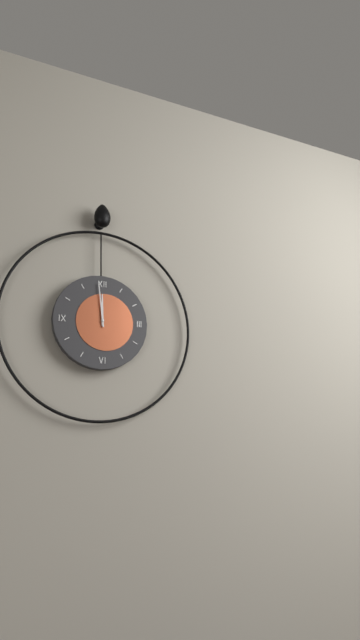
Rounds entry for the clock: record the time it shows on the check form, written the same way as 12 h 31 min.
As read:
11 h 59 min
